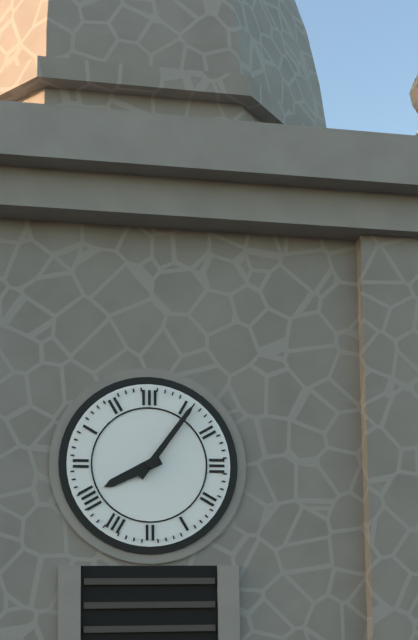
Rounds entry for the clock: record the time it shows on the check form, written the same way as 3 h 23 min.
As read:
8 h 06 min
